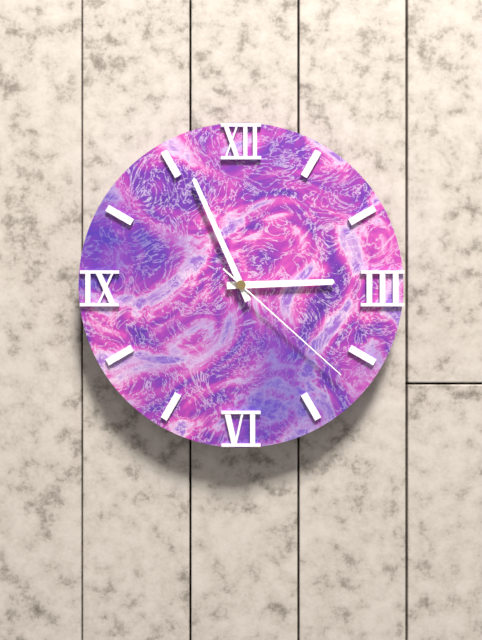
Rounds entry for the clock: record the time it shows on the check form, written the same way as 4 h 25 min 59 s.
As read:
2 h 56 min 22 s
